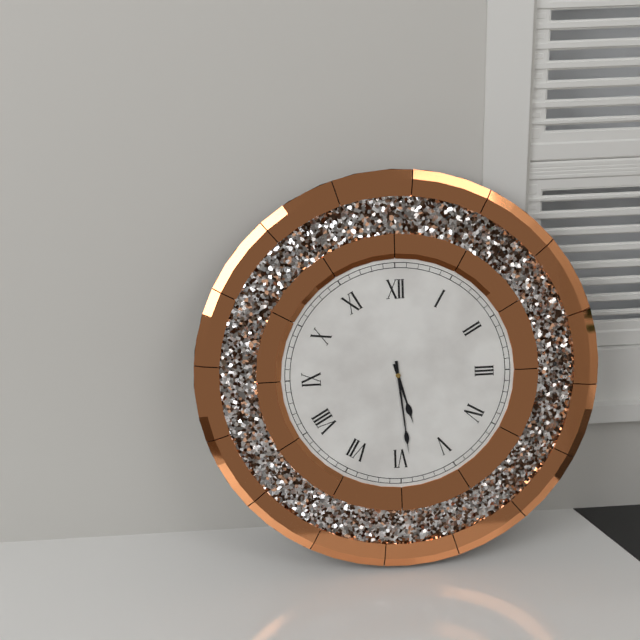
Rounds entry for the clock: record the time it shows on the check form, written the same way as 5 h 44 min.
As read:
5 h 29 min
